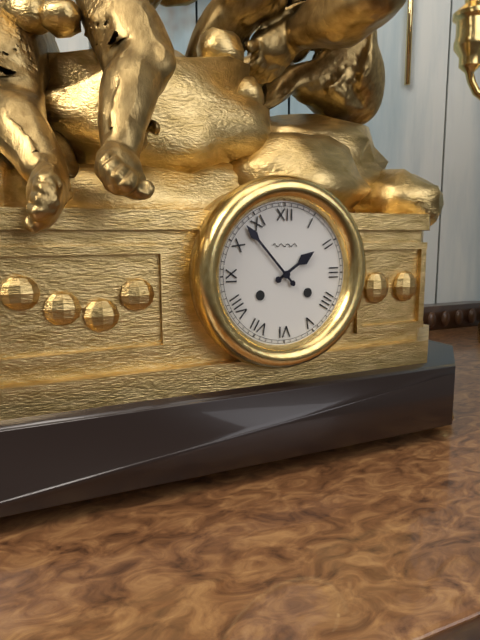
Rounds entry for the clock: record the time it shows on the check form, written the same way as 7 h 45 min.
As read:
1 h 53 min
